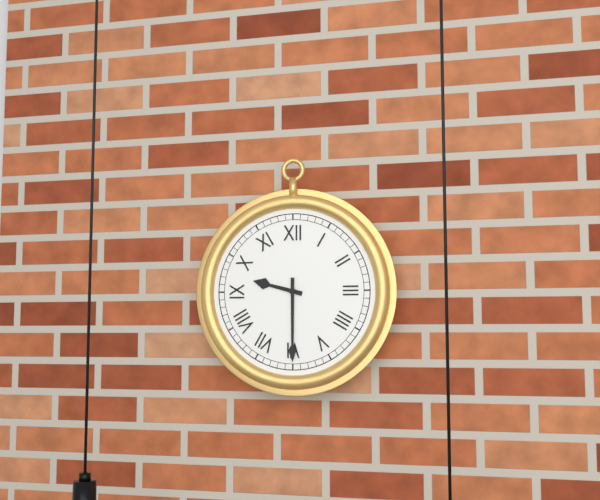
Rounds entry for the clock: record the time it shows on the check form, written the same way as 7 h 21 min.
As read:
9 h 30 min
